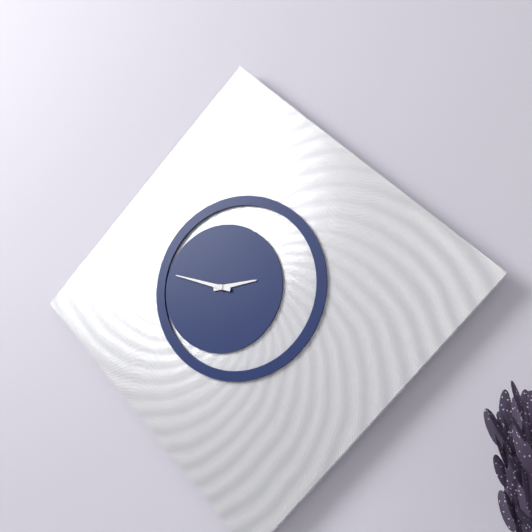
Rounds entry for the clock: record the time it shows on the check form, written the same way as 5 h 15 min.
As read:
2 h 48 min
